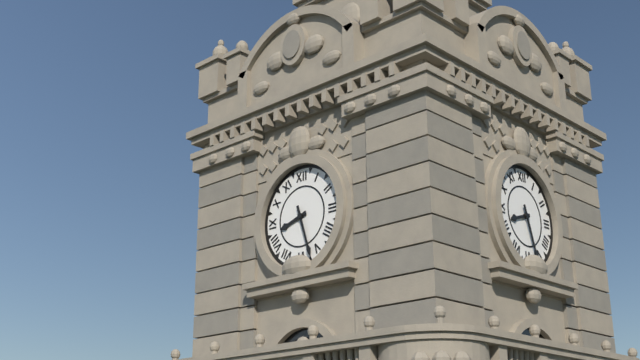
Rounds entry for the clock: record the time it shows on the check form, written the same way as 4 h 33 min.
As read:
8 h 27 min
